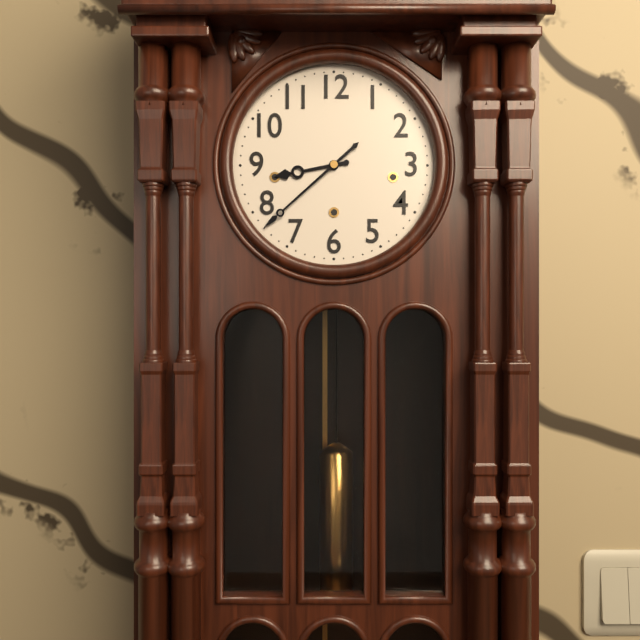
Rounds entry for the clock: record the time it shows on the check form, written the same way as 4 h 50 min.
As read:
8 h 38 min
